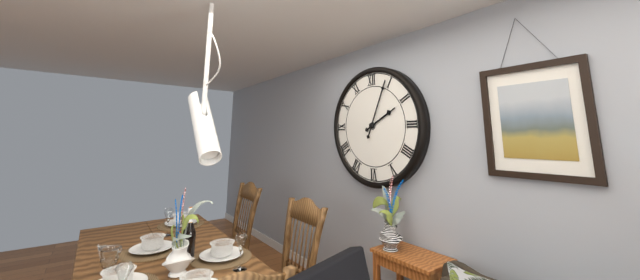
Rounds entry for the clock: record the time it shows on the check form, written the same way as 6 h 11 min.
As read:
2 h 04 min
